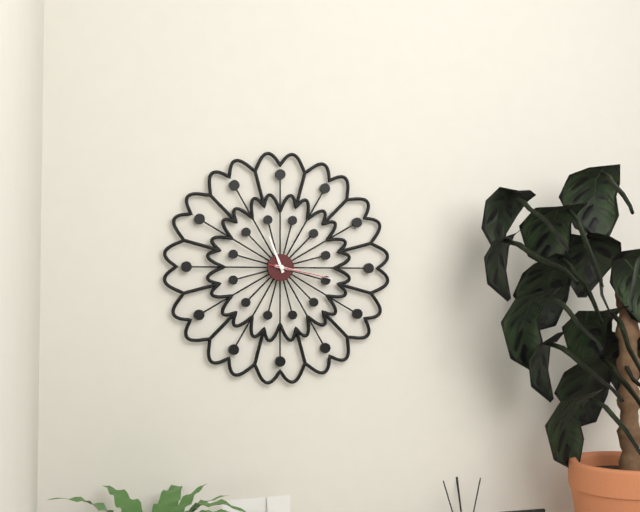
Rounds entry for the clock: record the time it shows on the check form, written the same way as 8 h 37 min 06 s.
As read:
11 h 17 min 17 s
